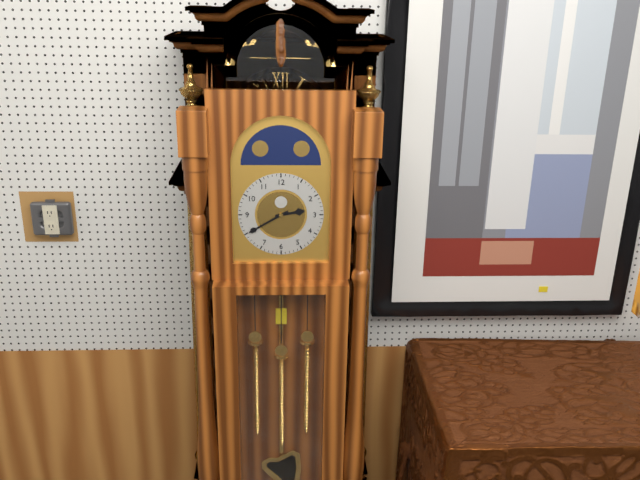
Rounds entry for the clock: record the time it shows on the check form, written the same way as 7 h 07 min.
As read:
2 h 40 min
